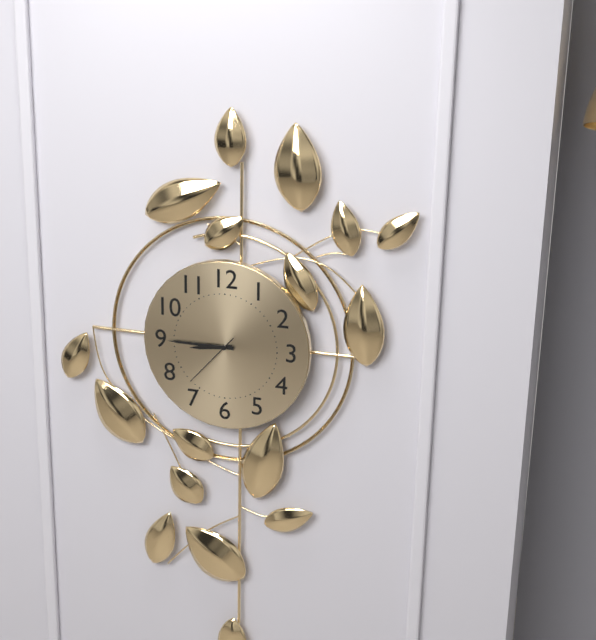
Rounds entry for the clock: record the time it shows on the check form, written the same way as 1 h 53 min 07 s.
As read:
8 h 45 min 37 s
